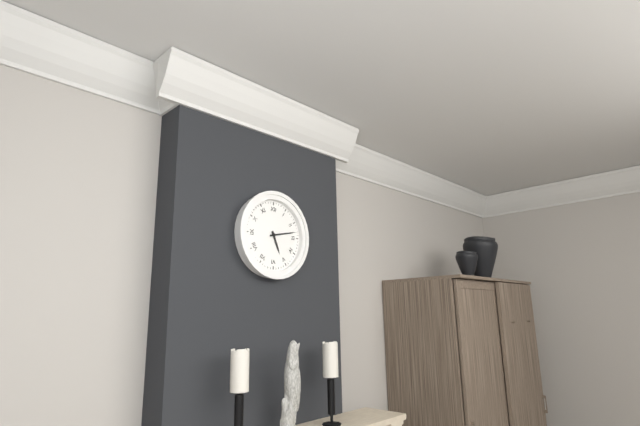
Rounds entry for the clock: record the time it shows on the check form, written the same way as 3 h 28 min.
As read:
5 h 13 min
